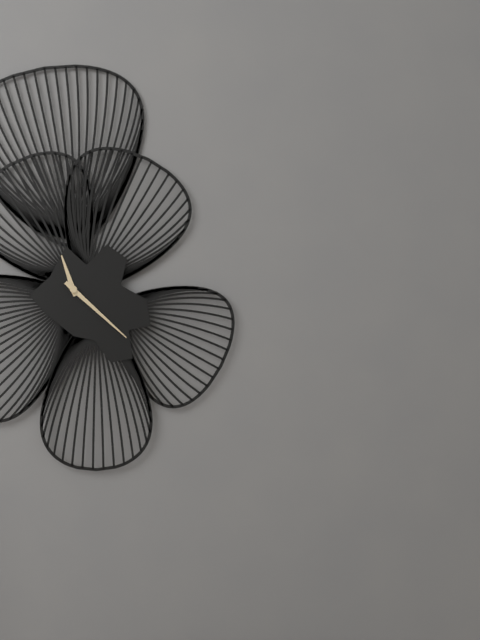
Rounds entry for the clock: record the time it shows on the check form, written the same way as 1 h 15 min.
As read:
11 h 22 min
